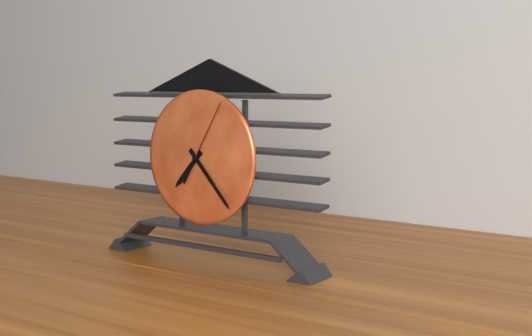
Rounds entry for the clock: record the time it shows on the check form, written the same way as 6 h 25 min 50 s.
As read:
7 h 23 min 05 s
